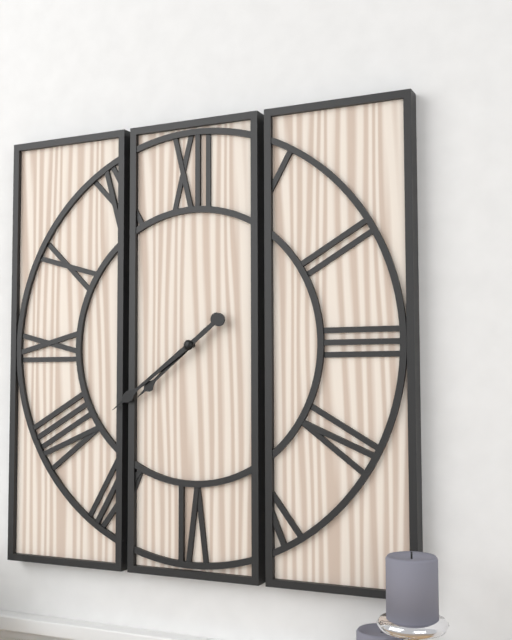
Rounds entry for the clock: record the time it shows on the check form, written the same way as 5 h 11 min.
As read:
7 h 39 min
